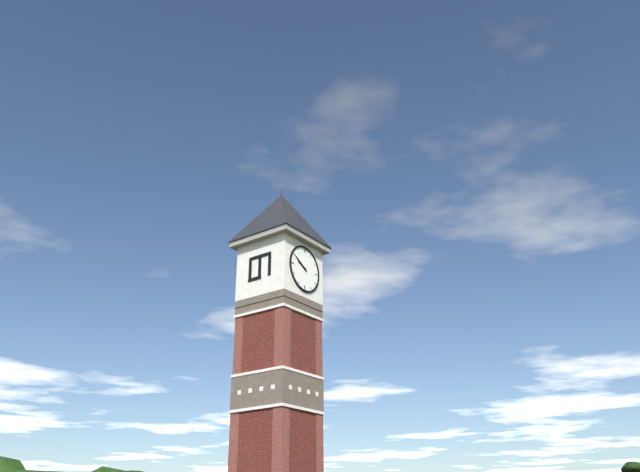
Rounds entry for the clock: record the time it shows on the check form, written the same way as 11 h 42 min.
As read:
9 h 50 min
